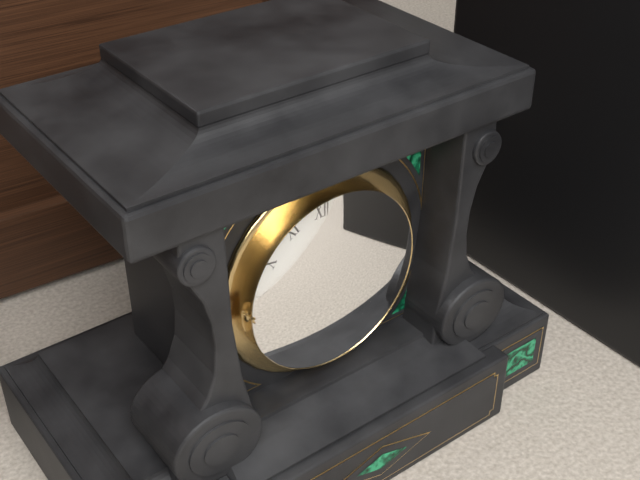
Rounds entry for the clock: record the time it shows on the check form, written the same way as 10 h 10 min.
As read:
6 h 39 min
